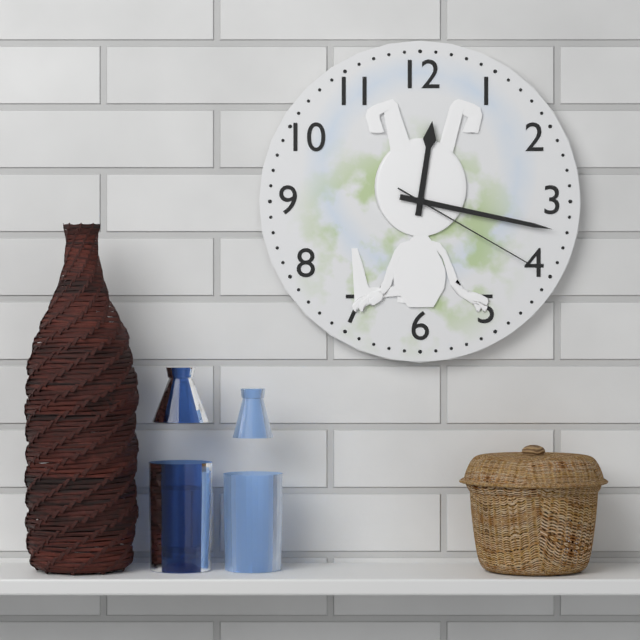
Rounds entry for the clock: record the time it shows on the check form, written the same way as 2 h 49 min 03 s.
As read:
12 h 17 min 20 s
